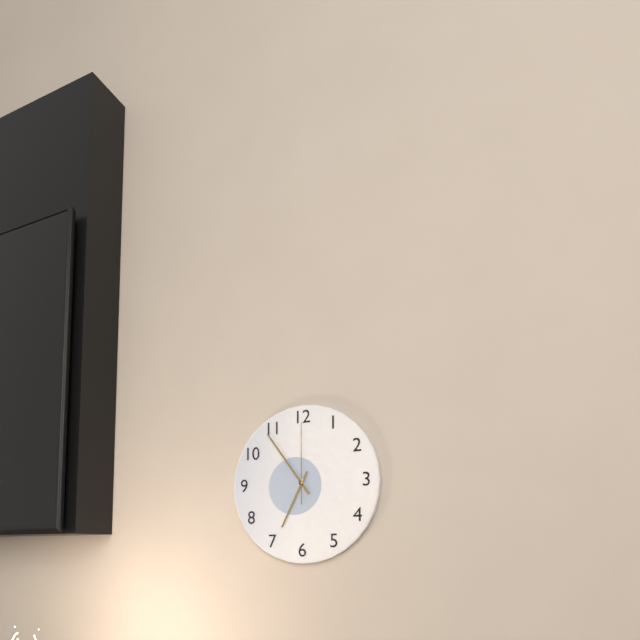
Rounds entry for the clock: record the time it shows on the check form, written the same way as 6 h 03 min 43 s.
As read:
6 h 54 min 00 s
